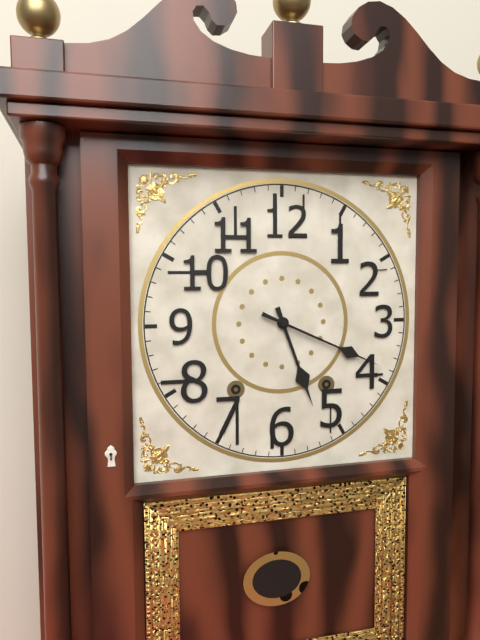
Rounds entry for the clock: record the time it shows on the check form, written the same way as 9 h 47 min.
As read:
5 h 19 min
